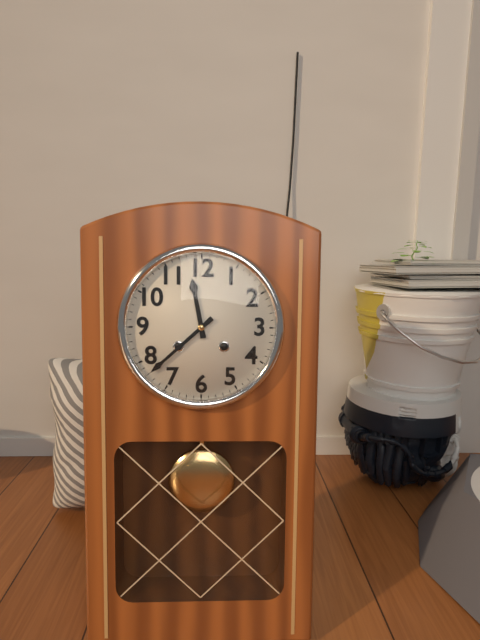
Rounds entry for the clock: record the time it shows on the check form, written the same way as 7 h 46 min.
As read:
11 h 38 min
